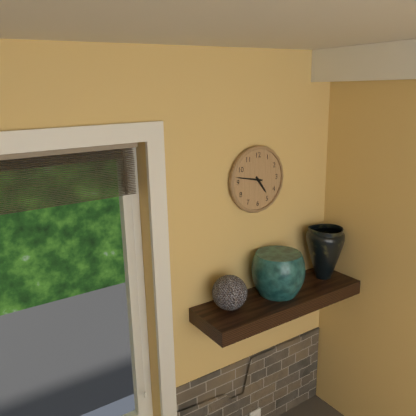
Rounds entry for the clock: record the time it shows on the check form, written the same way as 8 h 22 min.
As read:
4 h 47 min
